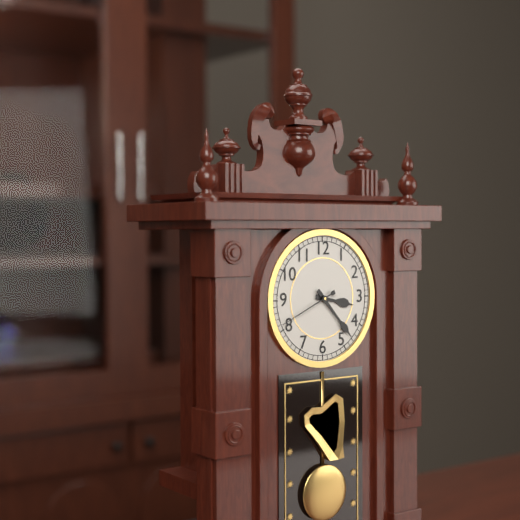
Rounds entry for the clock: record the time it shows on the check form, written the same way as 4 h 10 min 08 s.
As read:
3 h 23 min 41 s
